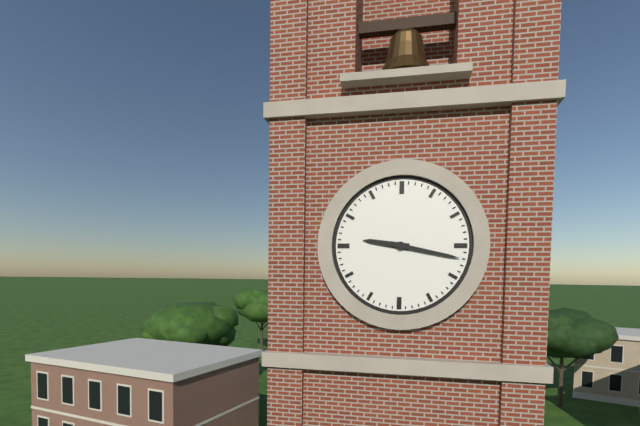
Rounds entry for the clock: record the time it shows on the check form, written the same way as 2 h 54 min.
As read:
9 h 17 min
